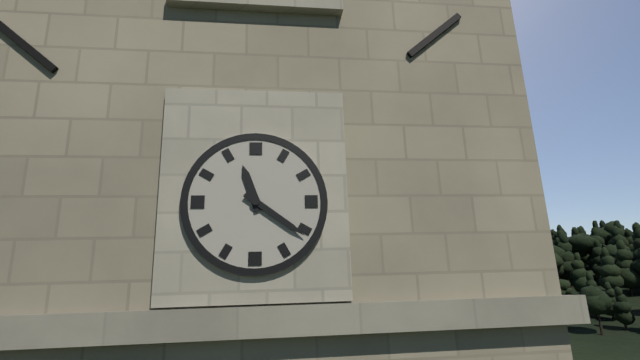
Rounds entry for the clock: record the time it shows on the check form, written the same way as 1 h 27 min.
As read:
11 h 21 min
